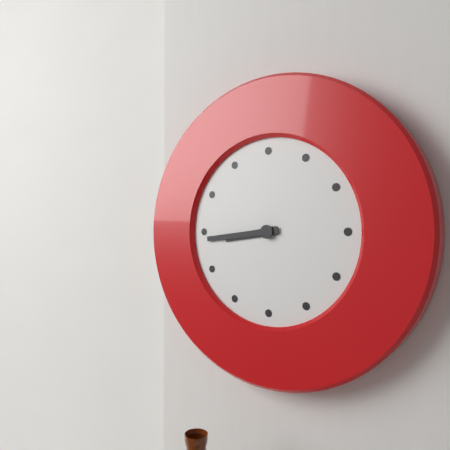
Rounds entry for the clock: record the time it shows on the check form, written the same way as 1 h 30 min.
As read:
8 h 44 min
